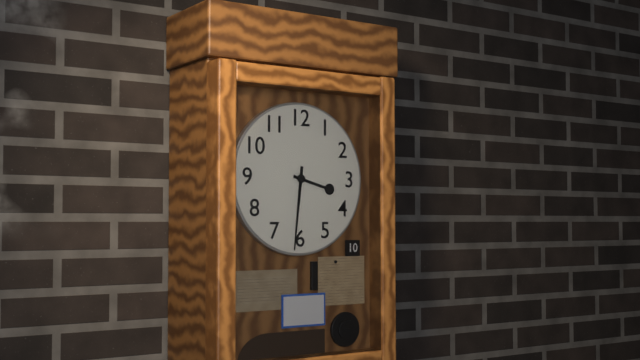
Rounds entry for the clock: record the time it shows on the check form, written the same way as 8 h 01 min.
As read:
3 h 31 min
